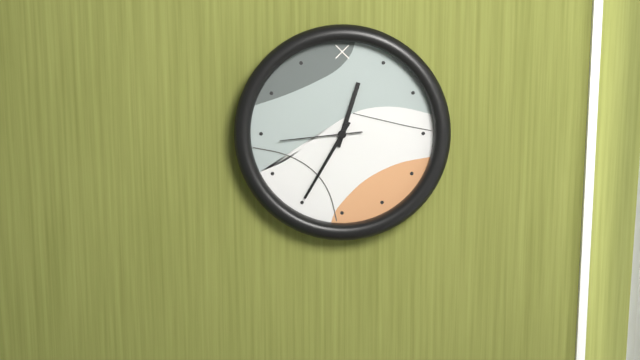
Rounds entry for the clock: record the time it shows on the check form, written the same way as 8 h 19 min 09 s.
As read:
12 h 35 min 44 s
